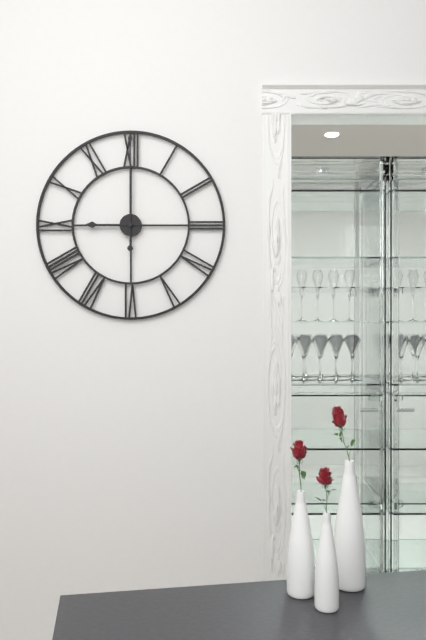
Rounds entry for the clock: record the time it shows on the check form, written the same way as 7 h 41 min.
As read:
9 h 00 min
